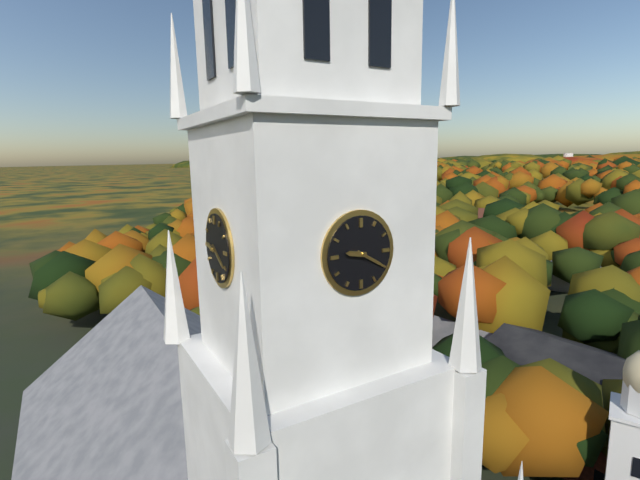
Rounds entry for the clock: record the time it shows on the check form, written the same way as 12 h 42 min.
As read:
9 h 20 min
